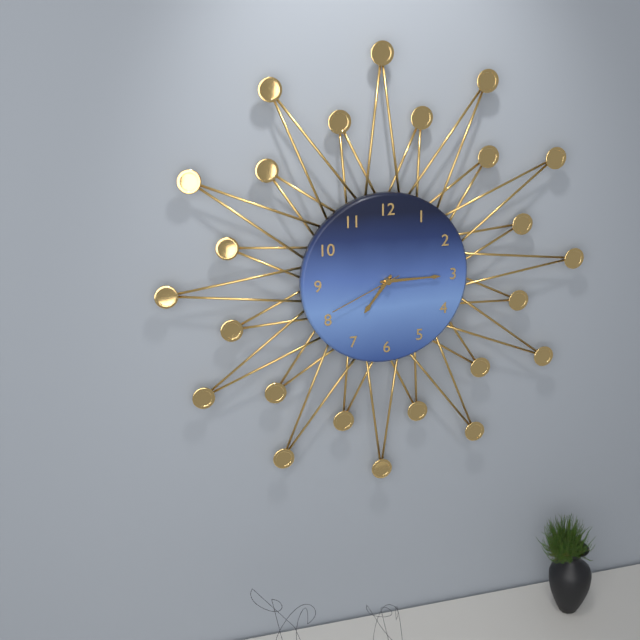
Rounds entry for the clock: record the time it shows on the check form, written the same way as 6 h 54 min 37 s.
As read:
7 h 15 min 41 s
